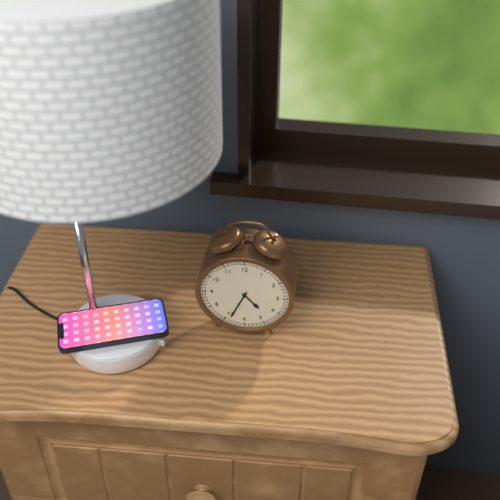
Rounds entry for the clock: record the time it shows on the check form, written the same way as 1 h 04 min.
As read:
4 h 34 min
